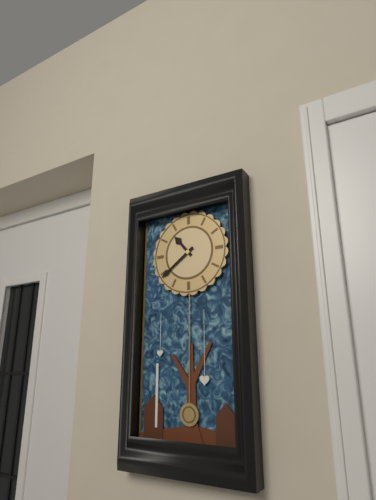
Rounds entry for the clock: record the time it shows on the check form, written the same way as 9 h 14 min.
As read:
10 h 39 min
